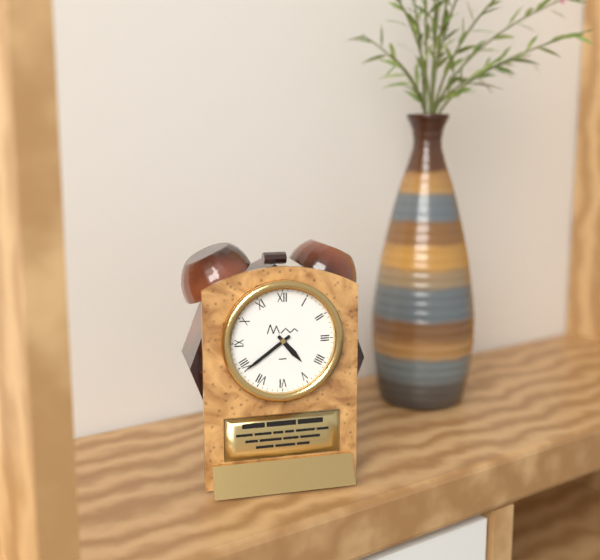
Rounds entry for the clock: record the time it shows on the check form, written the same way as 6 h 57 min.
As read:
4 h 39 min
